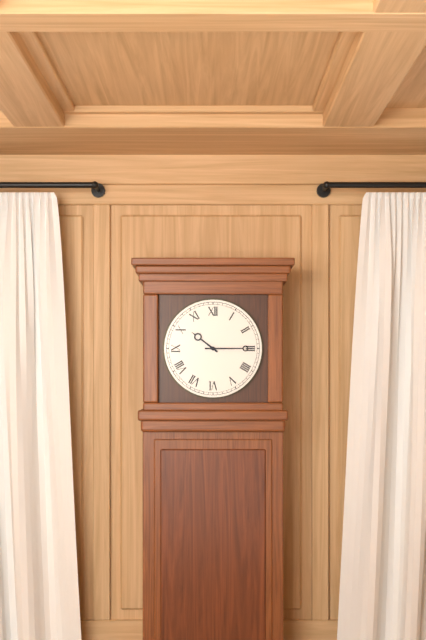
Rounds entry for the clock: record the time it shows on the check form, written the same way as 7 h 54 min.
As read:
10 h 15 min
